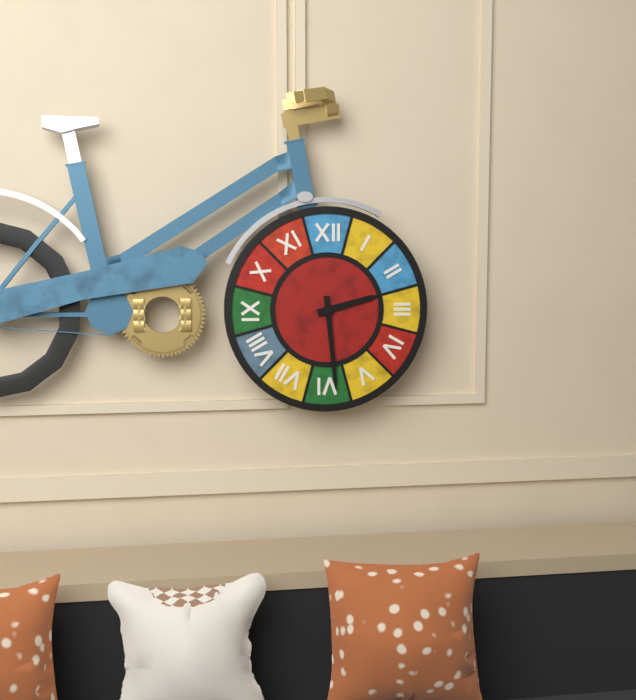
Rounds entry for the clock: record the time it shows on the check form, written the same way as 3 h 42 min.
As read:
2 h 29 min
